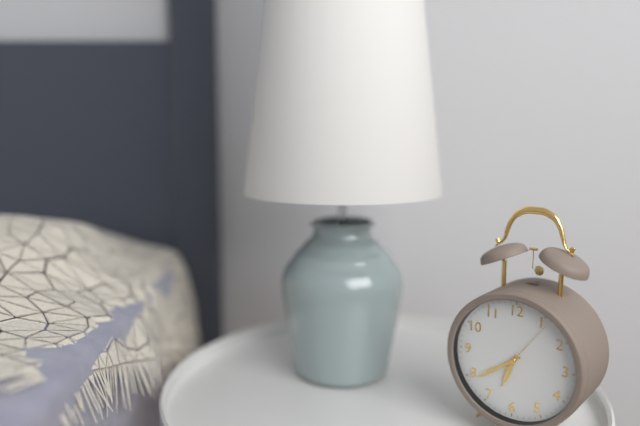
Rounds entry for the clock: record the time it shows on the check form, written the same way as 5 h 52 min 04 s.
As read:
6 h 39 min 06 s
